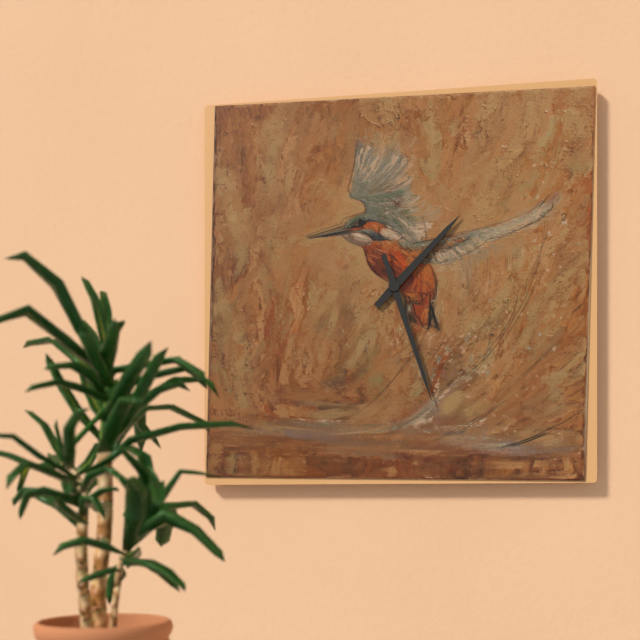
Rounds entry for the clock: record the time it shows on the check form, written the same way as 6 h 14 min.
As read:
1 h 27 min
